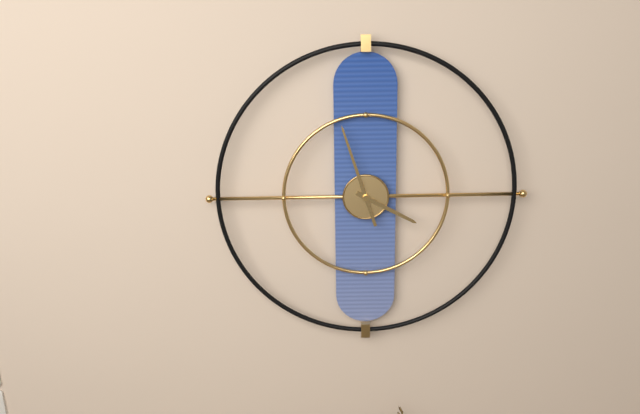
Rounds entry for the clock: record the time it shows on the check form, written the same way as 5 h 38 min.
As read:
3 h 57 min
